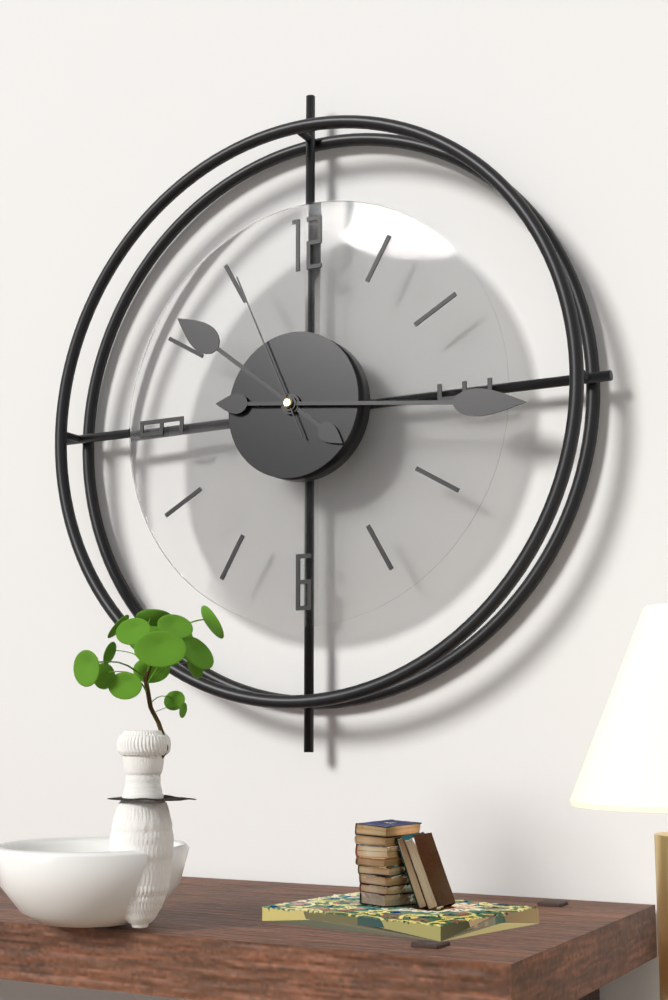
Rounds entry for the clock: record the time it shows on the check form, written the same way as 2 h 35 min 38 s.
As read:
10 h 16 min 56 s
